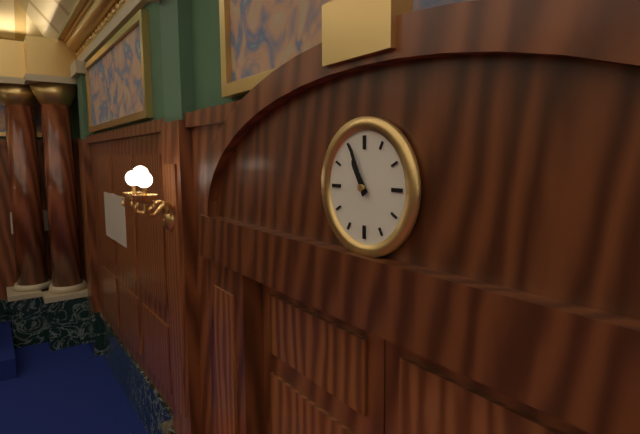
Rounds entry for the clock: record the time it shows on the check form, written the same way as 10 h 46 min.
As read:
10 h 56 min
